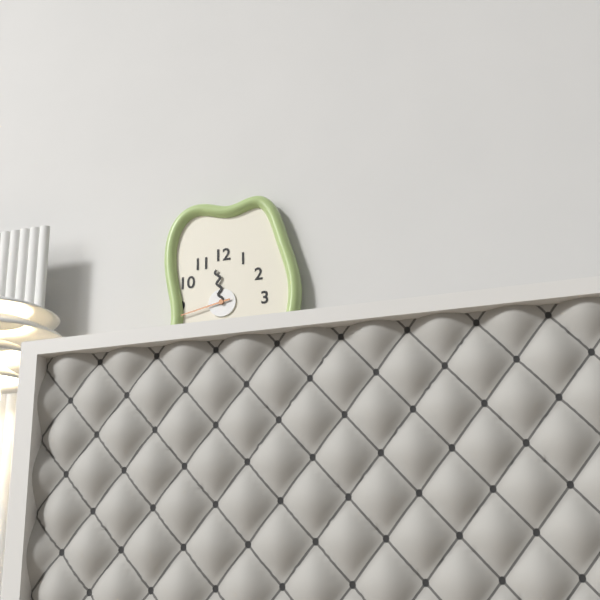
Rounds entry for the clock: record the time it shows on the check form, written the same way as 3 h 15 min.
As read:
11 h 43 min
